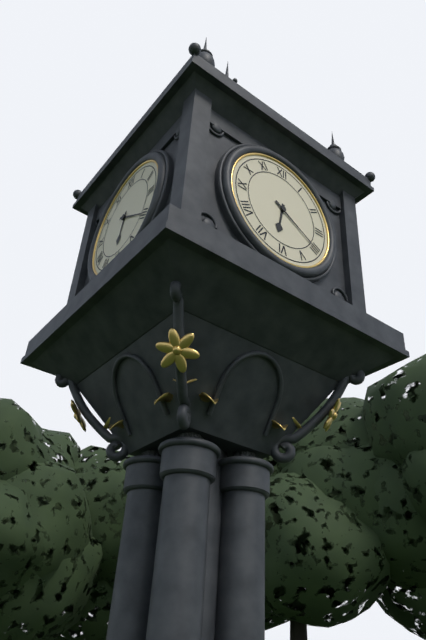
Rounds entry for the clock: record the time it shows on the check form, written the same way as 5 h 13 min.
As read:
6 h 20 min
